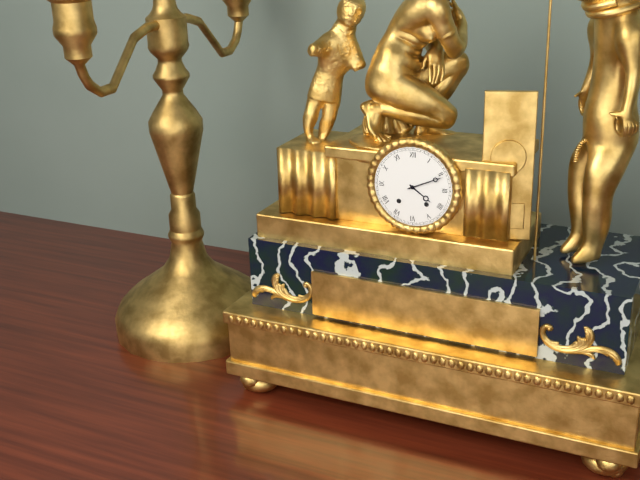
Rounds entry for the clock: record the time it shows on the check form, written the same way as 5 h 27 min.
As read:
4 h 11 min
